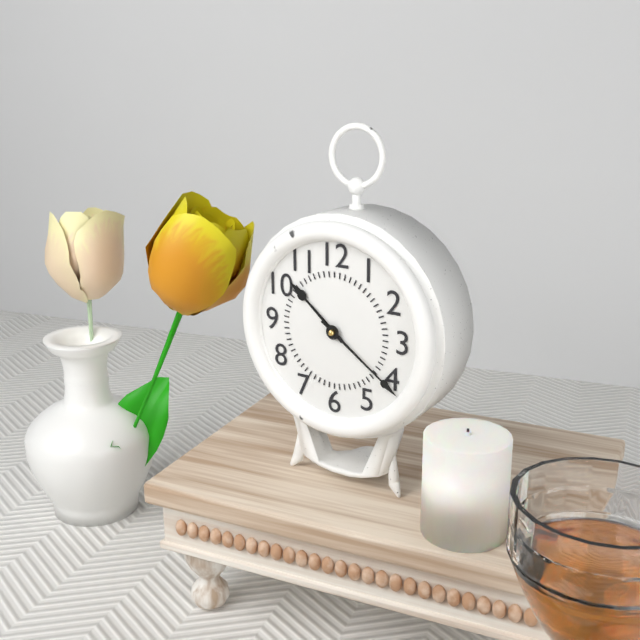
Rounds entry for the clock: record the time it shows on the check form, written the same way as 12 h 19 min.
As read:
10 h 21 min
